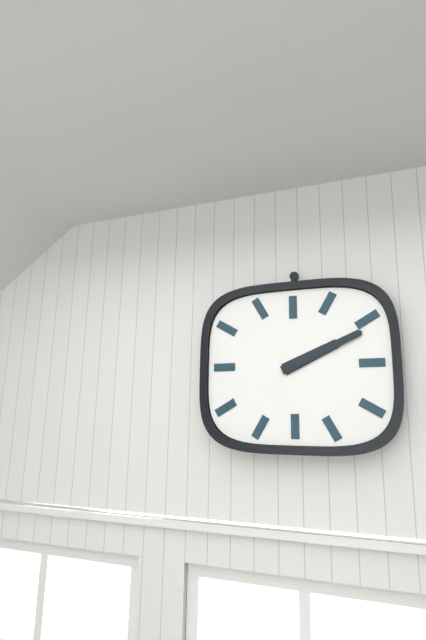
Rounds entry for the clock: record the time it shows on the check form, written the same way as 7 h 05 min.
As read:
2 h 11 min
